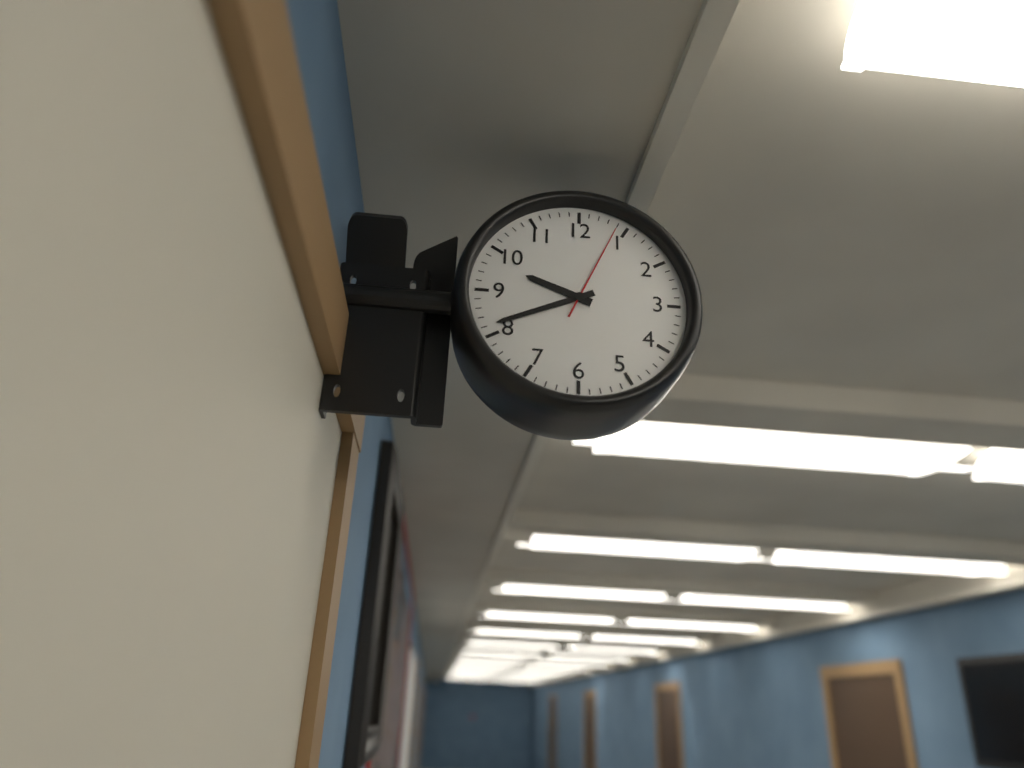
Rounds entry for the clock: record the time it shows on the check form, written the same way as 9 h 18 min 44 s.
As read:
9 h 41 min 04 s
